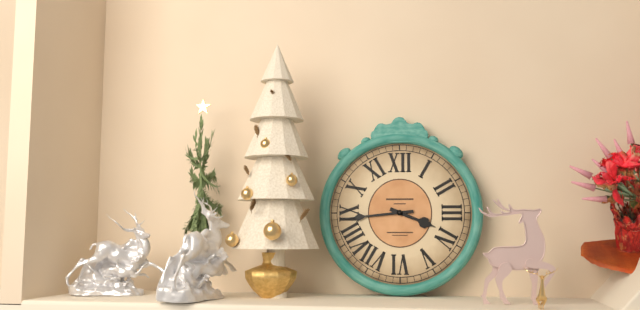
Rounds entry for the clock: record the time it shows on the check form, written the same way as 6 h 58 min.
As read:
3 h 44 min
